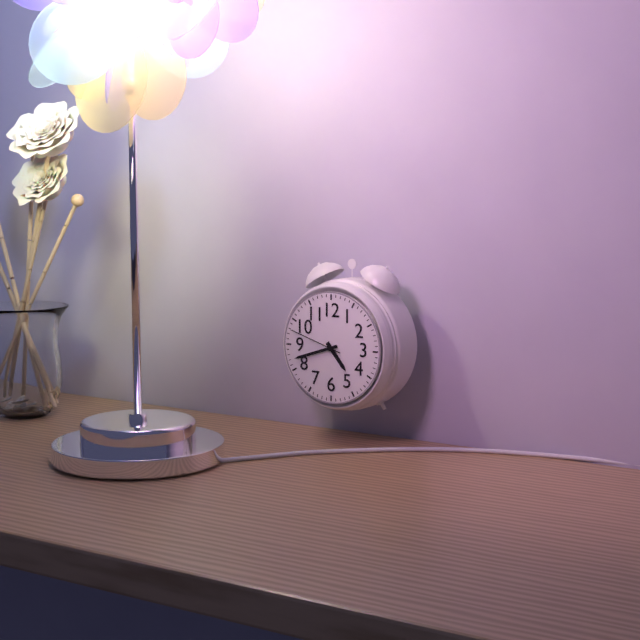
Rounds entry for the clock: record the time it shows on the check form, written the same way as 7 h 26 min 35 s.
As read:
4 h 42 min 48 s
